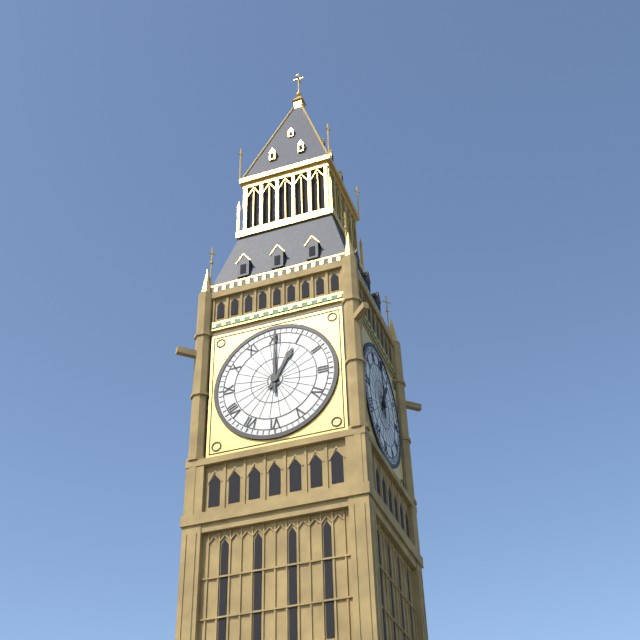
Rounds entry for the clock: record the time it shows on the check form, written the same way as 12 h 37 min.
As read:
1 h 00 min
